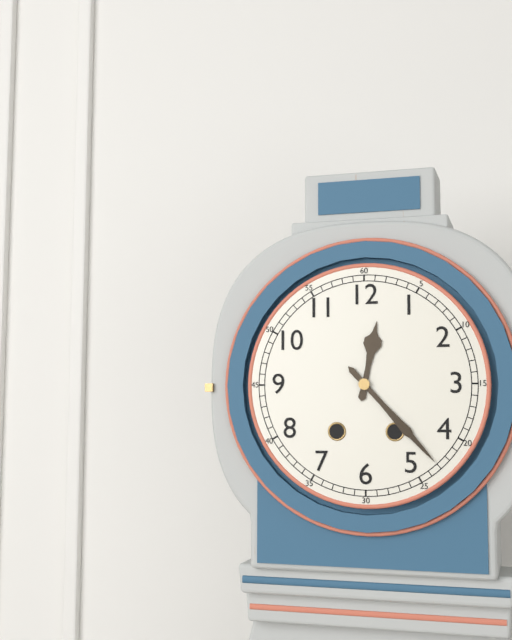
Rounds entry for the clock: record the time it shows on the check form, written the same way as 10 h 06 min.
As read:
12 h 23 min
